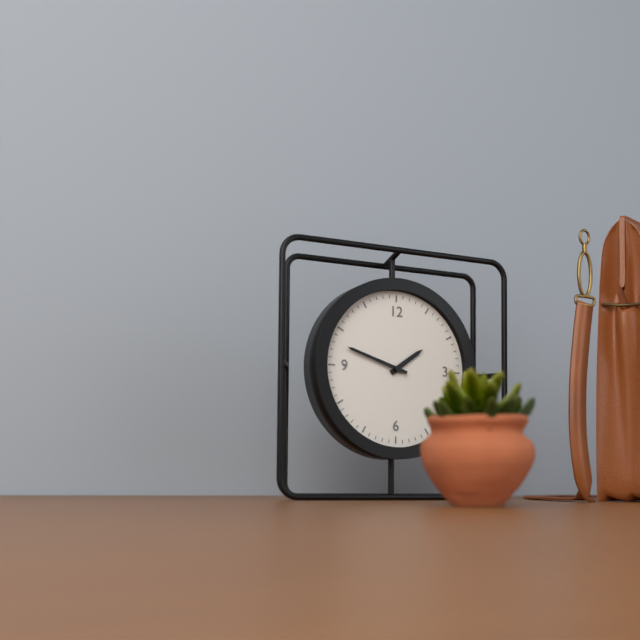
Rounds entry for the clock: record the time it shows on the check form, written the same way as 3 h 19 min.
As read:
1 h 48 min
